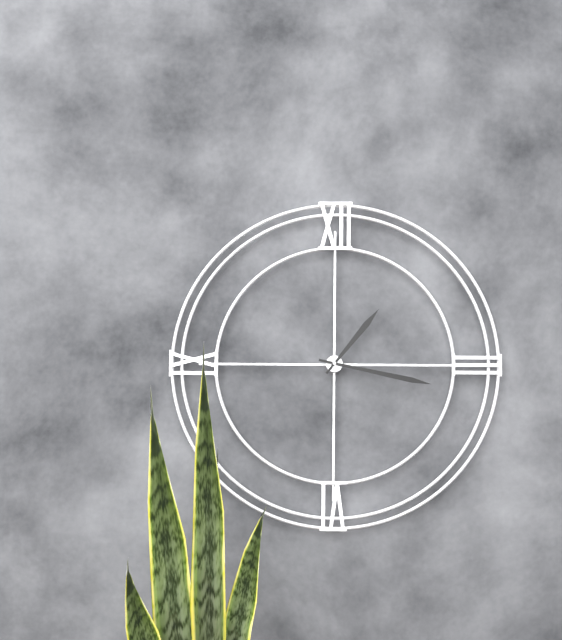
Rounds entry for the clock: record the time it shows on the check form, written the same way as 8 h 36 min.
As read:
1 h 17 min
